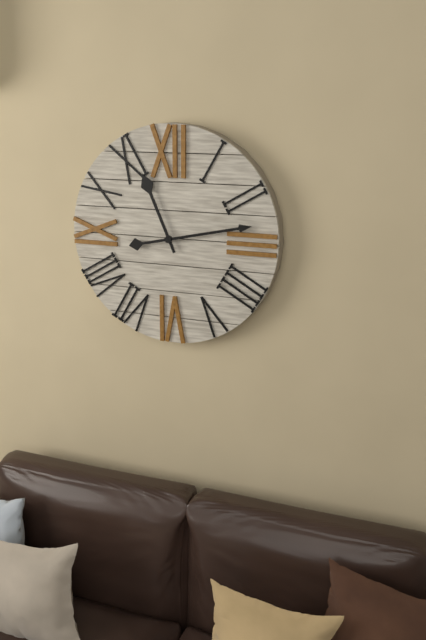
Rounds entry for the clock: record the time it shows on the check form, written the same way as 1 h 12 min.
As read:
11 h 13 min
